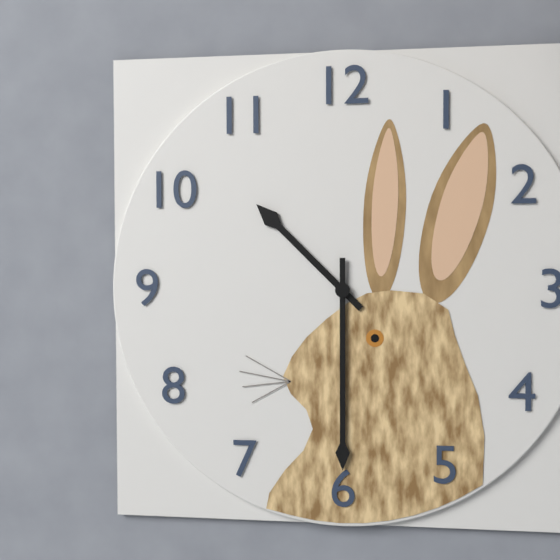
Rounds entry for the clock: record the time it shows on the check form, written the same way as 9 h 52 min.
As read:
10 h 30 min
